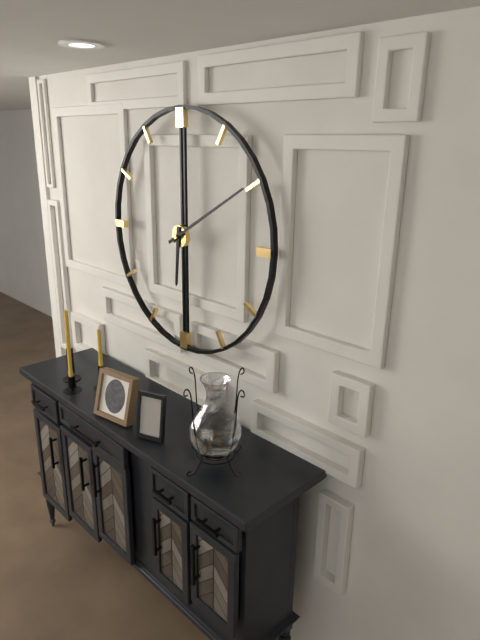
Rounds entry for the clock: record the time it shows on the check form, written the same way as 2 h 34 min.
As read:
6 h 10 min
